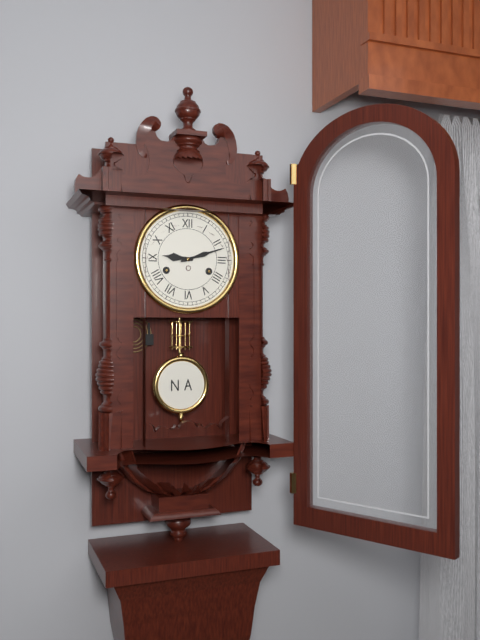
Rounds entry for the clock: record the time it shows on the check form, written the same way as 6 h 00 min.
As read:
9 h 12 min
